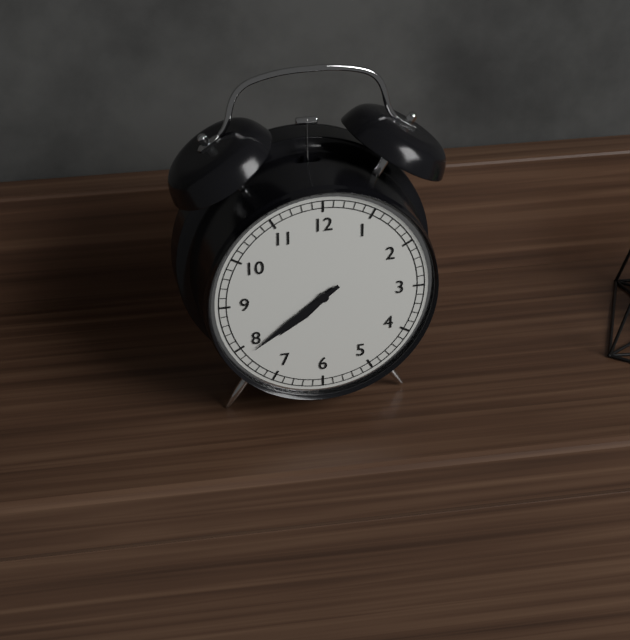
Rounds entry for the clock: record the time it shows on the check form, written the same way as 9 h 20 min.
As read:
7 h 39 min
